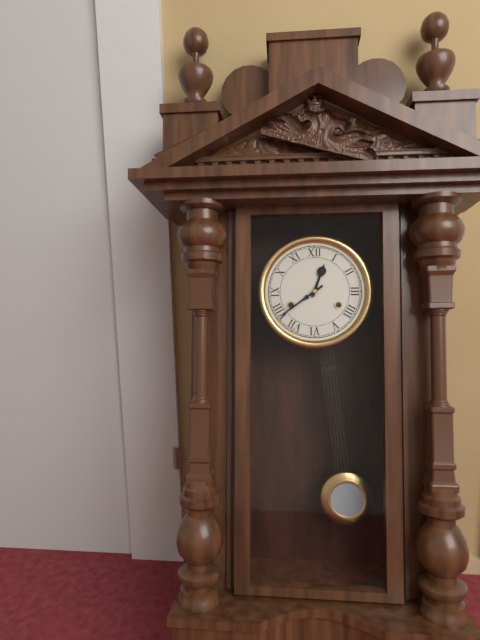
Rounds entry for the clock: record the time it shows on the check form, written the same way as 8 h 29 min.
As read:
12 h 39 min
